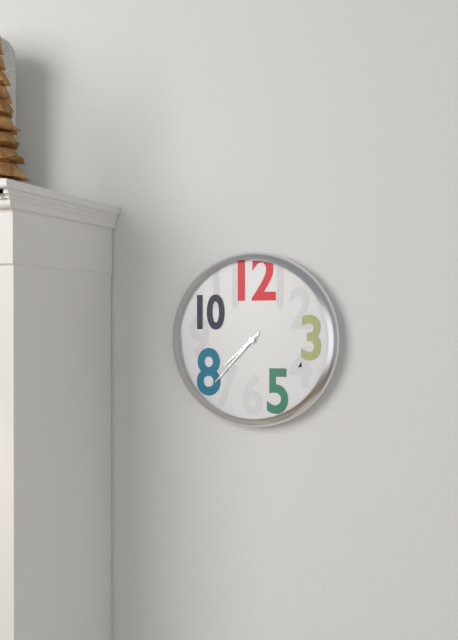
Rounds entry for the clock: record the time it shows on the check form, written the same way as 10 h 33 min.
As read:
7 h 37 min
